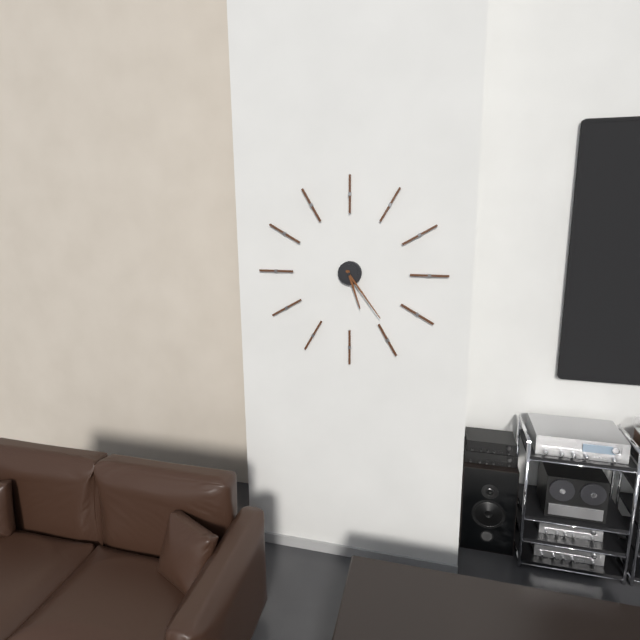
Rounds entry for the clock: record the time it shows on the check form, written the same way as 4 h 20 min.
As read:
5 h 24 min
